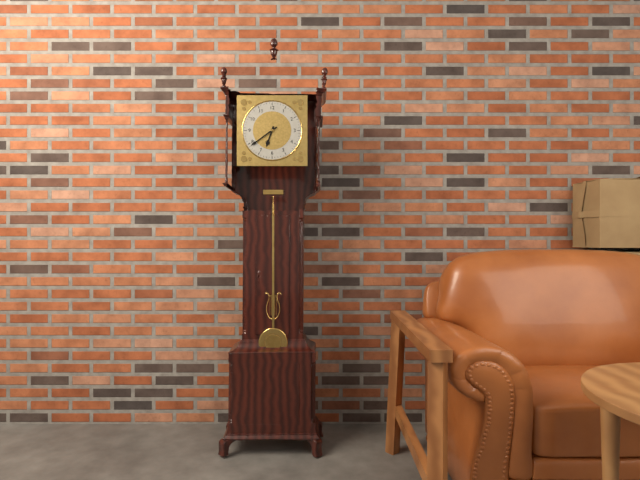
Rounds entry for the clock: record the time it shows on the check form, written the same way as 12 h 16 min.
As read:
6 h 39 min
